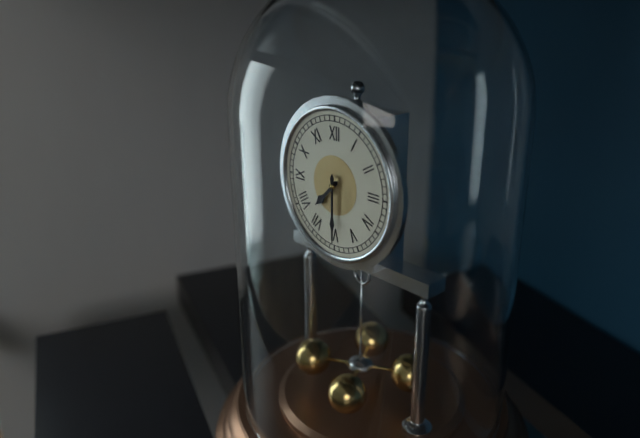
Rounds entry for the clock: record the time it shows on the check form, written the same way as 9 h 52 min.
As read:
7 h 30 min
